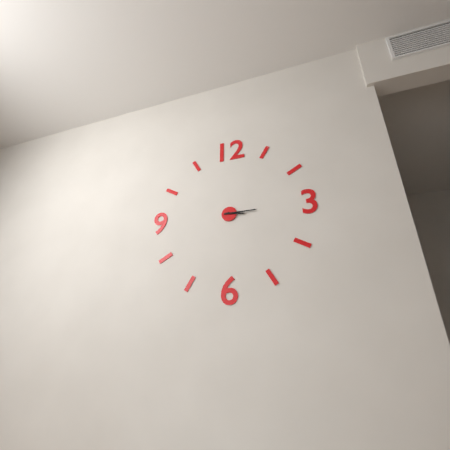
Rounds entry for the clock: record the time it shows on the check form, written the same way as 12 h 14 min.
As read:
3 h 15 min
